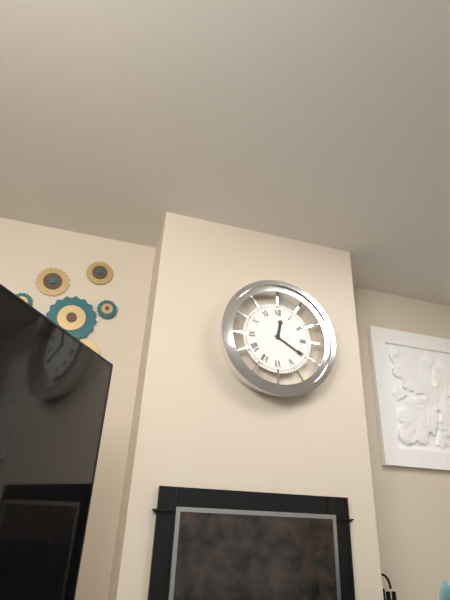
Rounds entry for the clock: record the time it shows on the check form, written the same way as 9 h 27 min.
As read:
12 h 20 min
